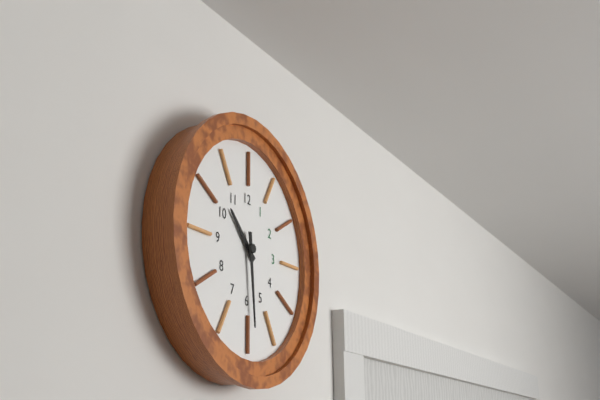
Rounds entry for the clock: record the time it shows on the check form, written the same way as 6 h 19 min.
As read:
10 h 29 min
